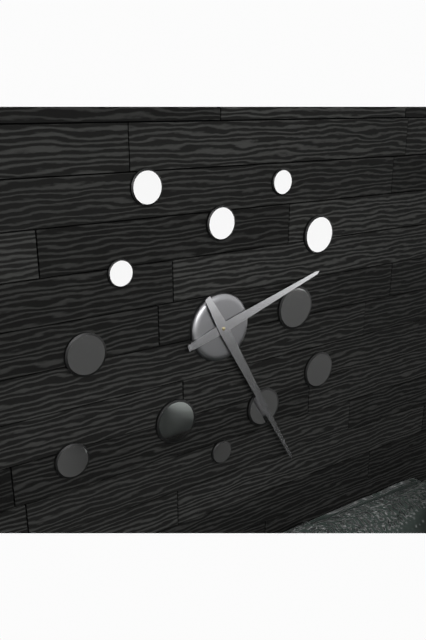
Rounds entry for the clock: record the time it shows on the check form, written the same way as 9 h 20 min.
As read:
2 h 25 min
